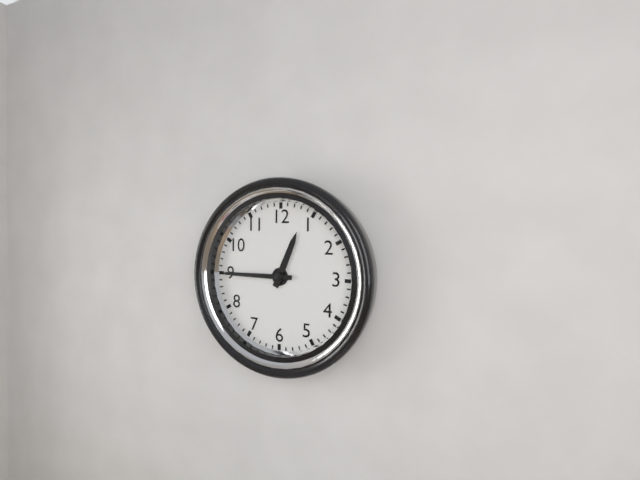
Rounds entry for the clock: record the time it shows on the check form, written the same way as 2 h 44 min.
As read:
12 h 45 min
